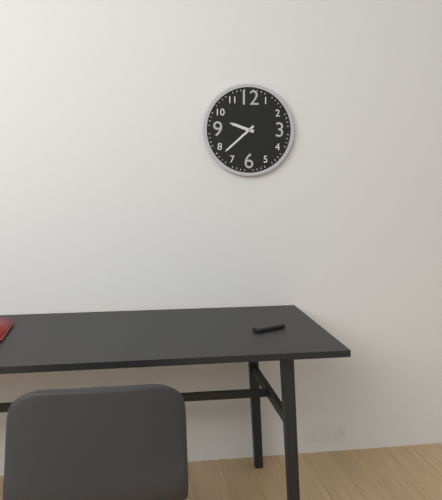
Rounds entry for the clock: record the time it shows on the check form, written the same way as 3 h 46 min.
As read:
9 h 38 min
